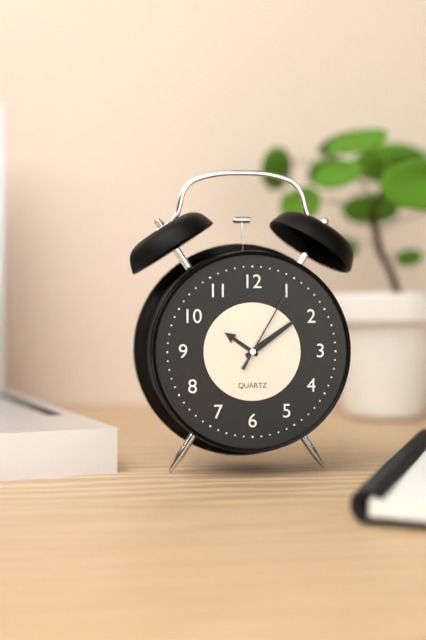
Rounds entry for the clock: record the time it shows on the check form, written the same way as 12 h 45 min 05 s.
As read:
10 h 09 min 05 s
